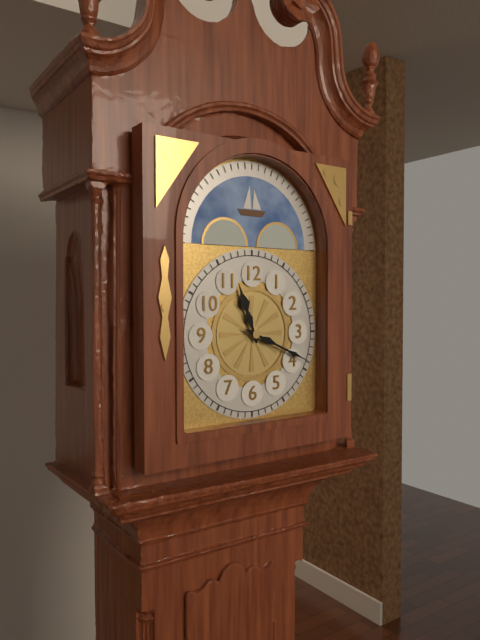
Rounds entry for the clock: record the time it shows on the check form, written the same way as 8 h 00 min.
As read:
11 h 19 min
